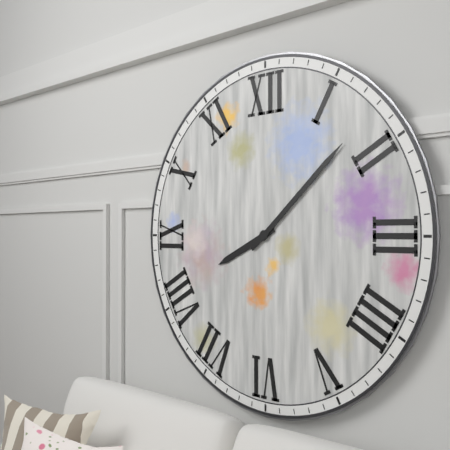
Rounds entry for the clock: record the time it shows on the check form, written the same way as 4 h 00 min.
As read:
8 h 08 min
